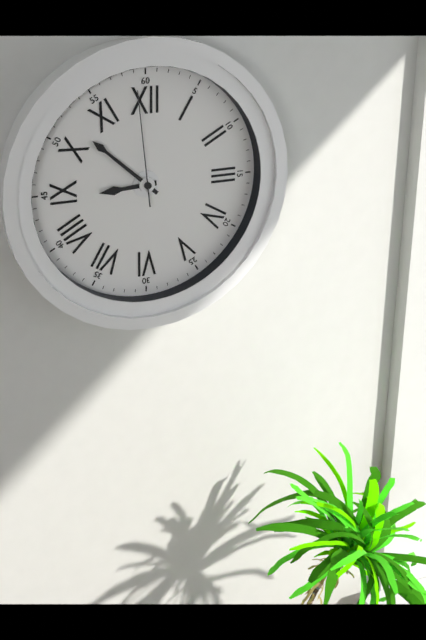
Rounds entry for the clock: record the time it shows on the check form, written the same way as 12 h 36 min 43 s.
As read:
8 h 52 min 59 s
